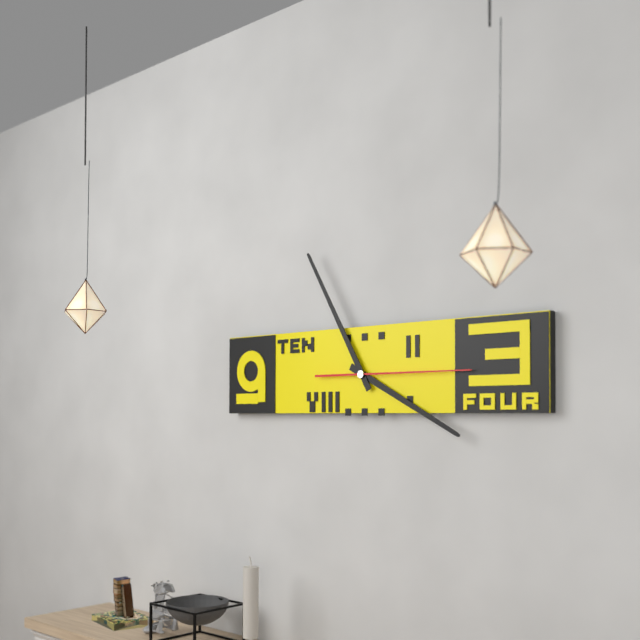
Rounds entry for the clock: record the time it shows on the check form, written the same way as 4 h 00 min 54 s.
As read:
3 h 55 min 15 s
